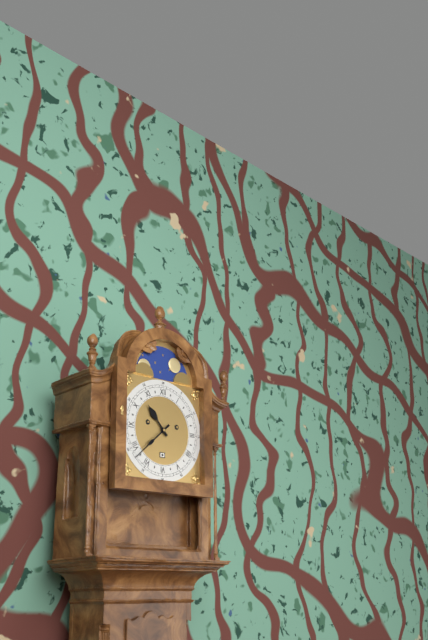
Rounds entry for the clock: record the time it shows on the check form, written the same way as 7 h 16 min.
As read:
10 h 38 min
